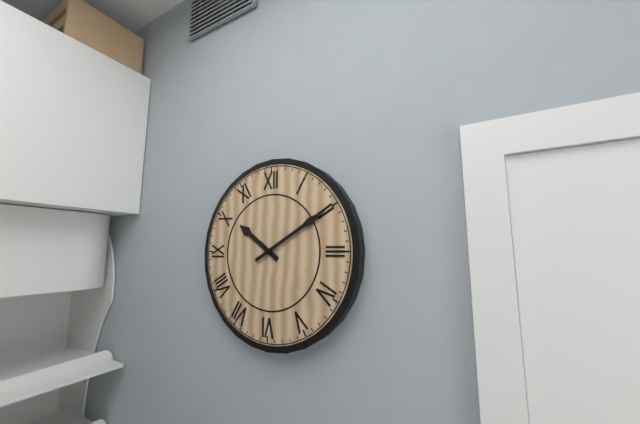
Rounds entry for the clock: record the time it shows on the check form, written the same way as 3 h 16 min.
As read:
10 h 10 min
